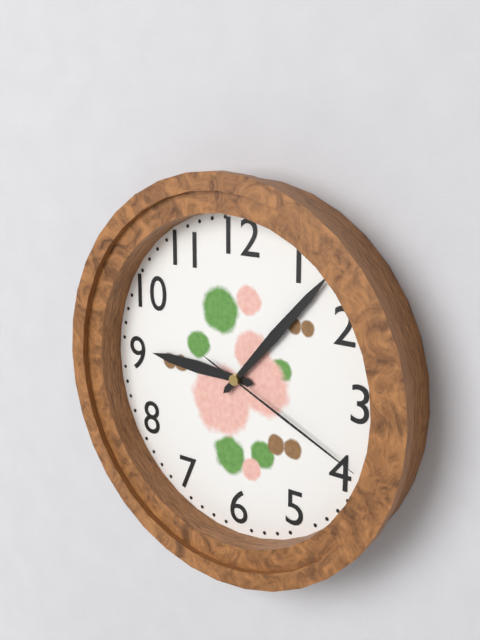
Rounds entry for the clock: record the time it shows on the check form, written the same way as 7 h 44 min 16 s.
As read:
9 h 07 min 19 s
